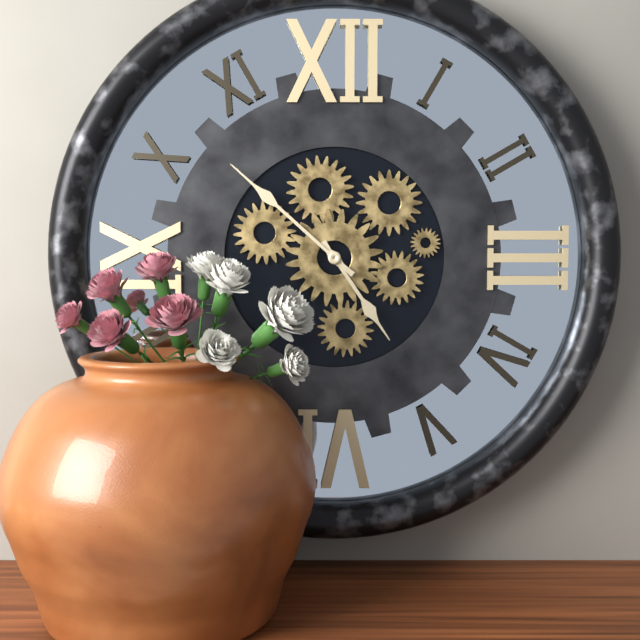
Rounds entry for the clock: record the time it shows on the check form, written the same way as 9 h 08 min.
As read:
4 h 52 min
